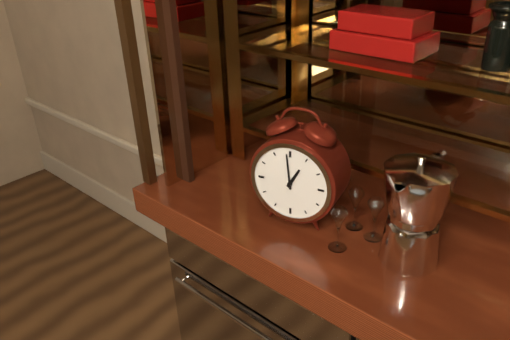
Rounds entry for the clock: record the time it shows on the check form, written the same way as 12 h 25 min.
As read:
12 h 59 min
